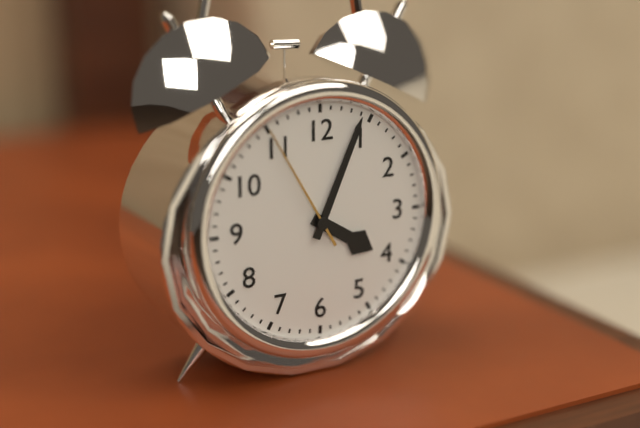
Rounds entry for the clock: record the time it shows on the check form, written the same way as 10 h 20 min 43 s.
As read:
4 h 04 min 55 s
